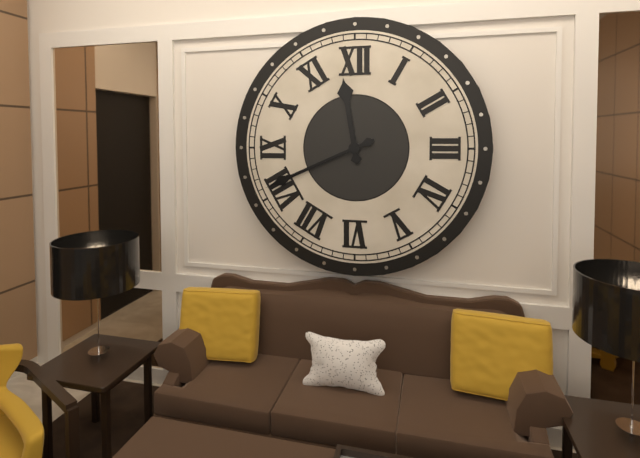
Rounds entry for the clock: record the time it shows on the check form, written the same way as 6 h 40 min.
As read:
11 h 41 min
